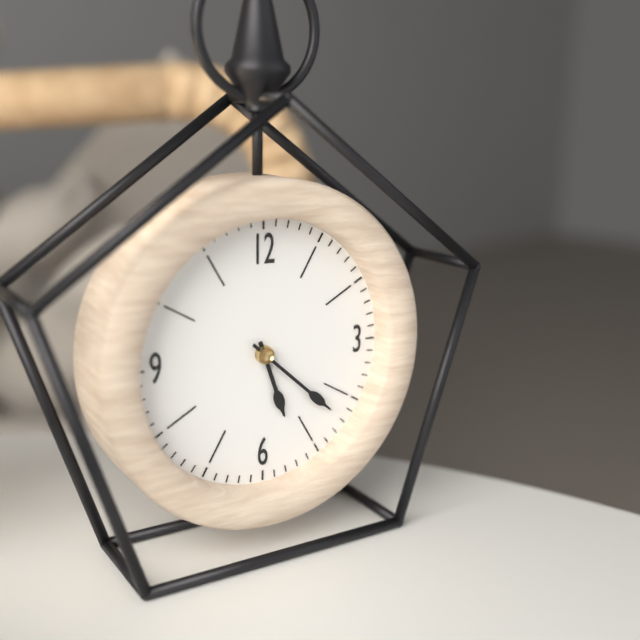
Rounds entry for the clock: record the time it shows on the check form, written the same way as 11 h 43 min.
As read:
5 h 22 min
